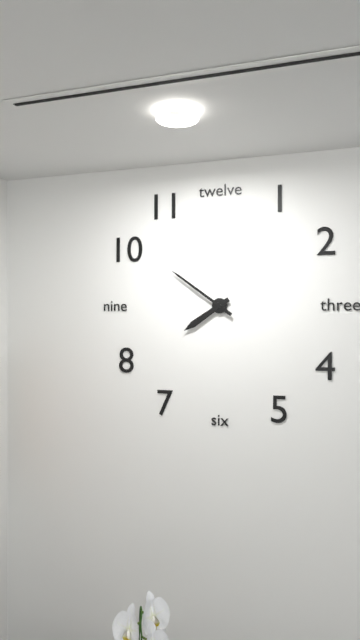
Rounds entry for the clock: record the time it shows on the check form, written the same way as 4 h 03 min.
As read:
7 h 51 min
